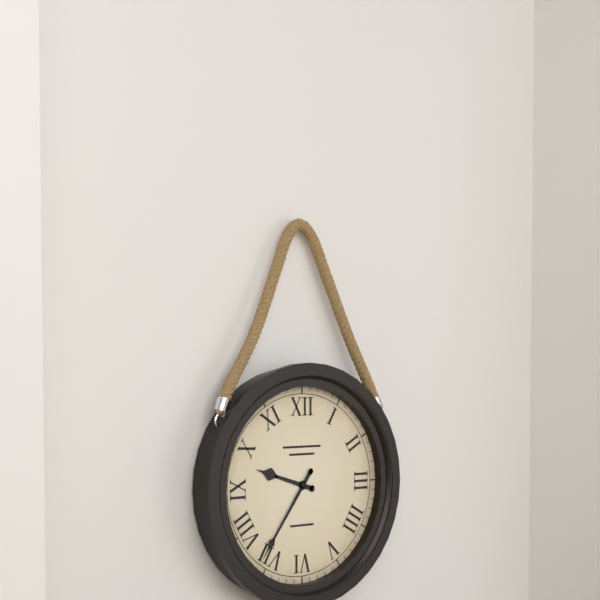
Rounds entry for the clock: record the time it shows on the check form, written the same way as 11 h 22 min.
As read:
9 h 36 min
